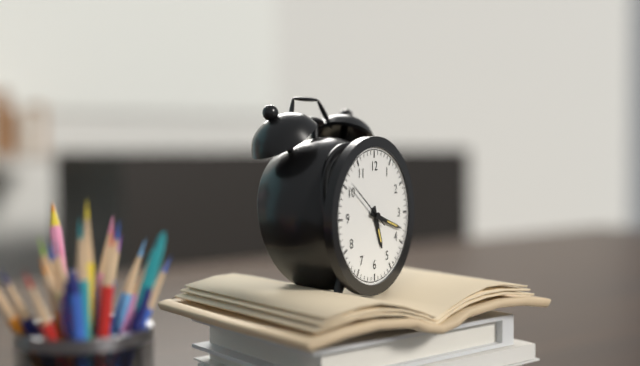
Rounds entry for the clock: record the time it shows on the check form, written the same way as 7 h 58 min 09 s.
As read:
5 h 18 min 51 s
